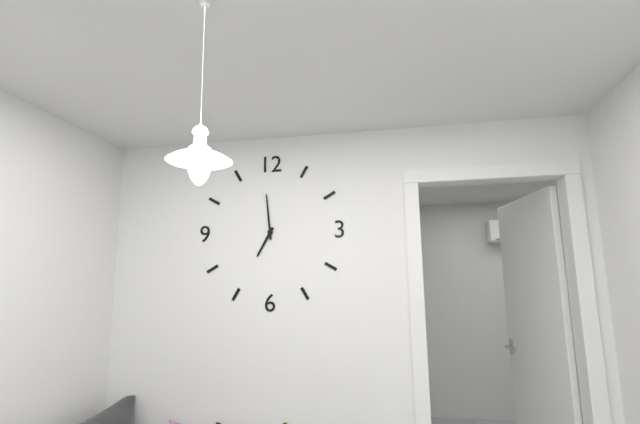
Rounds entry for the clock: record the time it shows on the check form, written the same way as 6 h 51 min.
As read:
6 h 59 min
